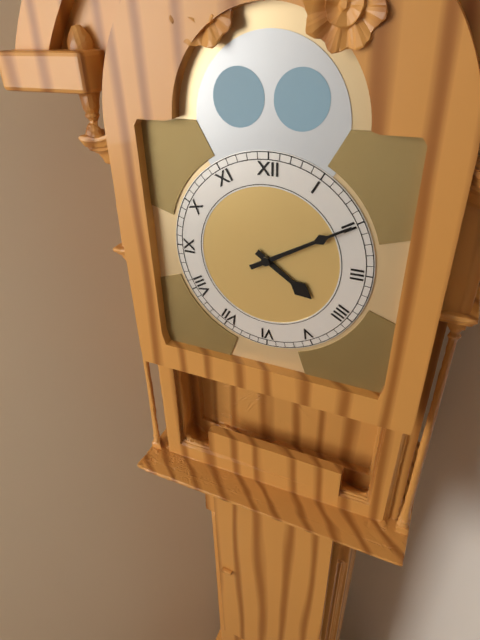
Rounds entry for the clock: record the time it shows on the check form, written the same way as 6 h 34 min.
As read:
4 h 10 min
